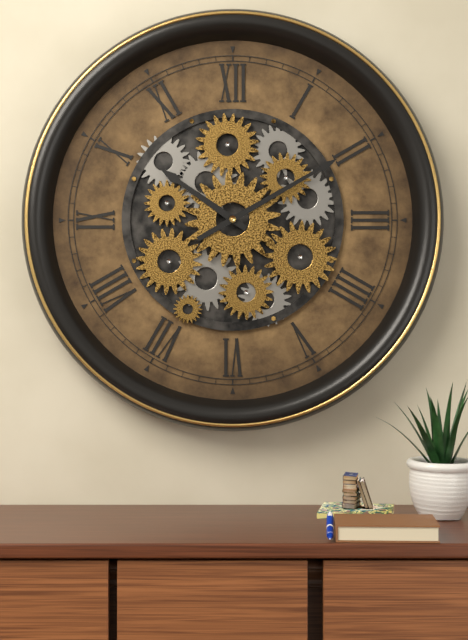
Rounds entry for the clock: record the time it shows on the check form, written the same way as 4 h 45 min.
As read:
10 h 10 min
